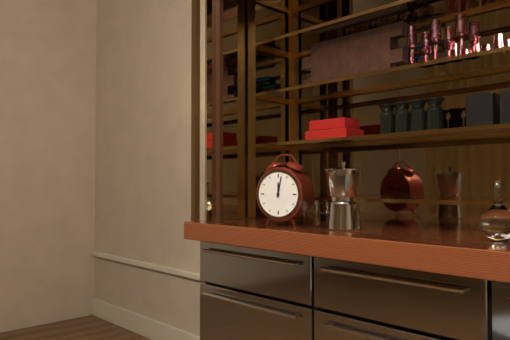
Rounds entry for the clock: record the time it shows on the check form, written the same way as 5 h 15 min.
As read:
12 h 02 min
